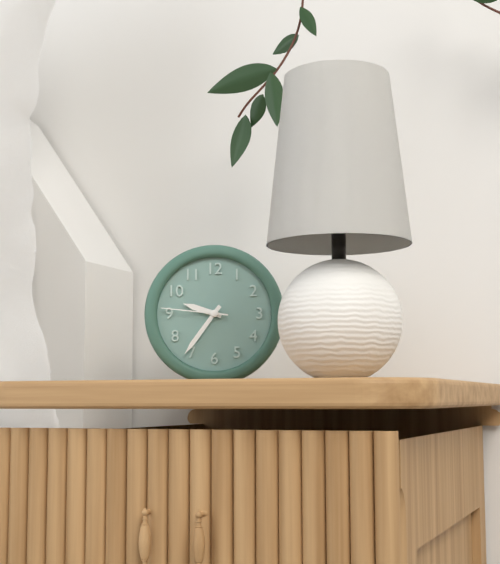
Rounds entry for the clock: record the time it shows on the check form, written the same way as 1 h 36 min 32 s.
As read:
9 h 36 min 46 s
